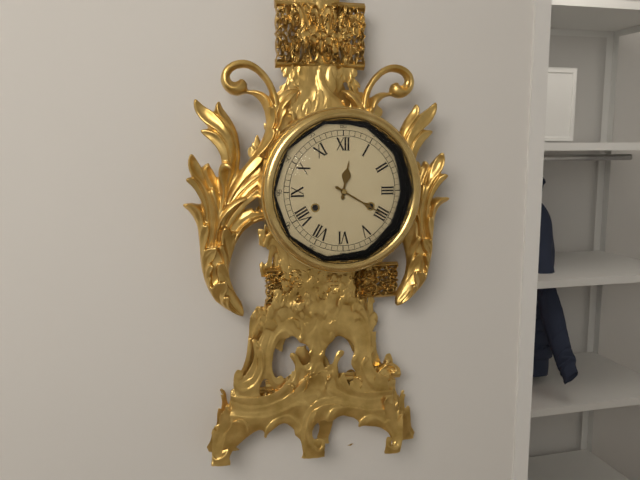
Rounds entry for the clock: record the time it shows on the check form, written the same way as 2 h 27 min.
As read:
12 h 20 min
